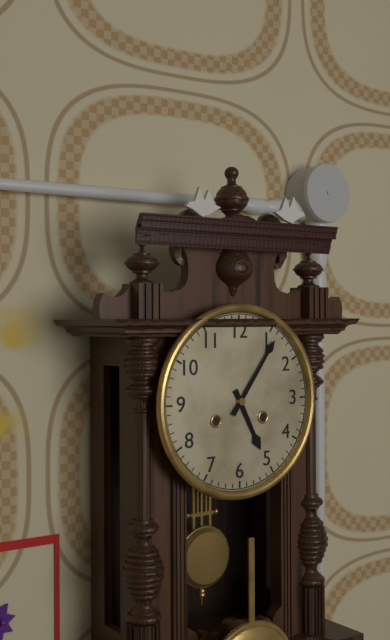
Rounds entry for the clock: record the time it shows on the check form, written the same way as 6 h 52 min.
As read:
5 h 06 min
